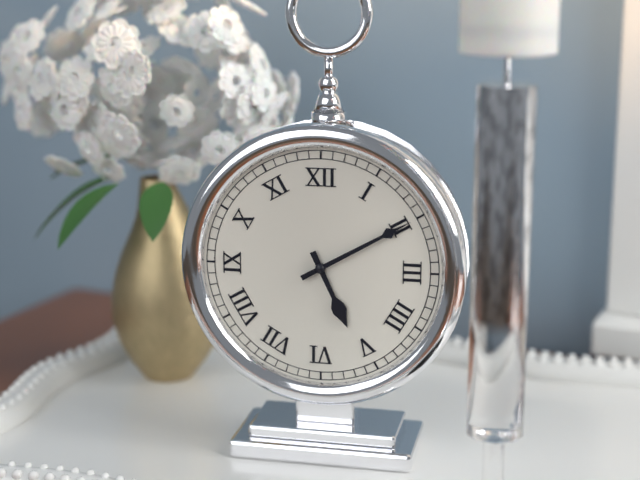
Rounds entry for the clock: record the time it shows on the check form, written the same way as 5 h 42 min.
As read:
5 h 10 min
